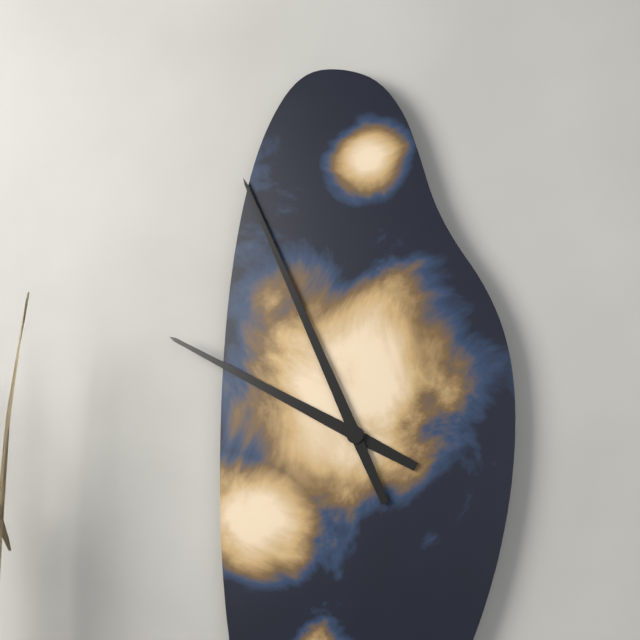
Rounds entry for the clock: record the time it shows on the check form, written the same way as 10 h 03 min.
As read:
9 h 56 min
